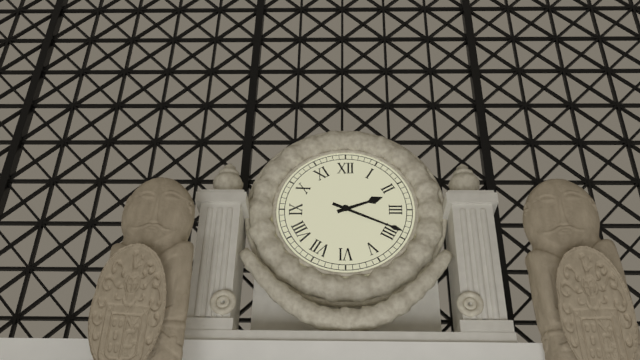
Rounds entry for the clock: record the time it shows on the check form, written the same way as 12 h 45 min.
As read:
2 h 19 min
